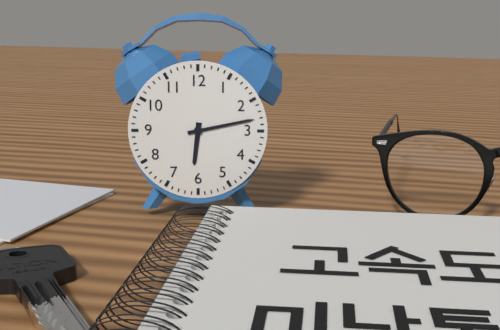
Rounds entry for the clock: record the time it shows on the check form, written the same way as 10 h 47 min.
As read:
6 h 13 min
